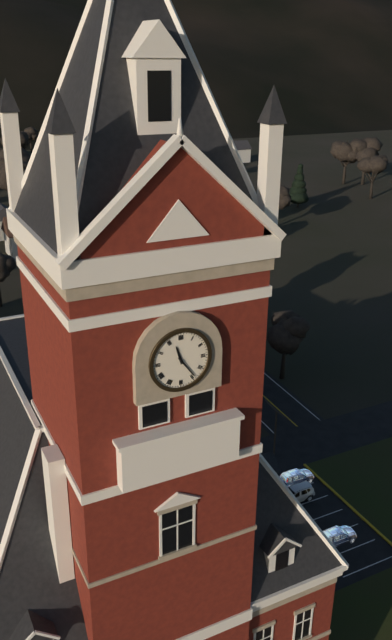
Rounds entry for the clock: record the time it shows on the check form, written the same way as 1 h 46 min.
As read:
11 h 24 min
